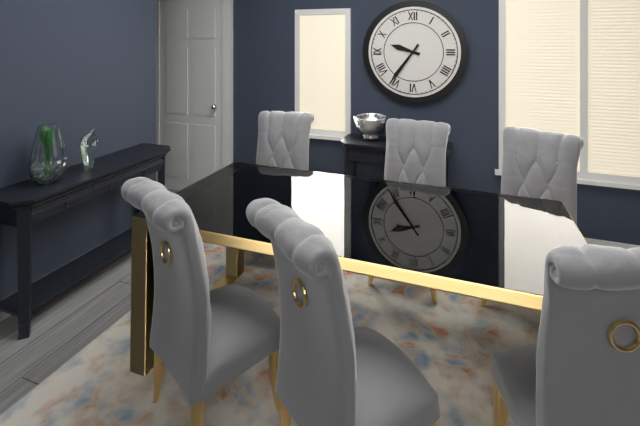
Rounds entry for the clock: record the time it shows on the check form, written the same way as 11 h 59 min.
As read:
9 h 36 min
